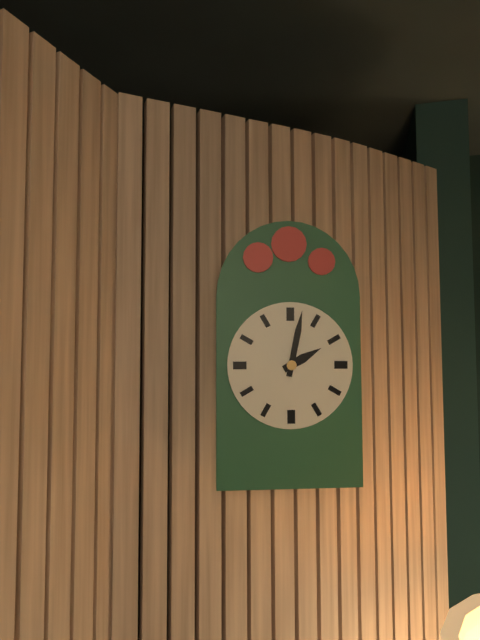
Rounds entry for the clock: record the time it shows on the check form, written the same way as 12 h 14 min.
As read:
2 h 02 min
